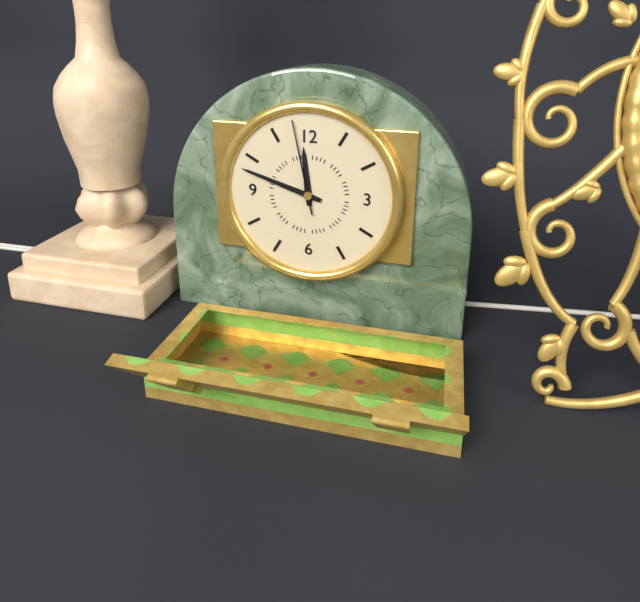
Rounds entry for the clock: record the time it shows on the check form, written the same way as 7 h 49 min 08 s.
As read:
11 h 48 min 58 s
